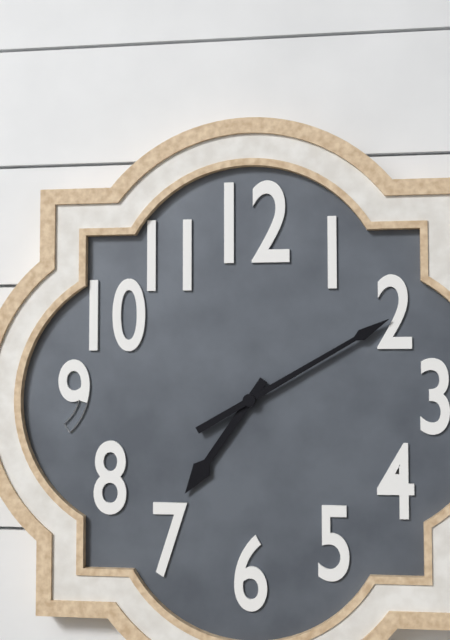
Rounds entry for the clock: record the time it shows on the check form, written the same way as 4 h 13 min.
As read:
7 h 10 min
